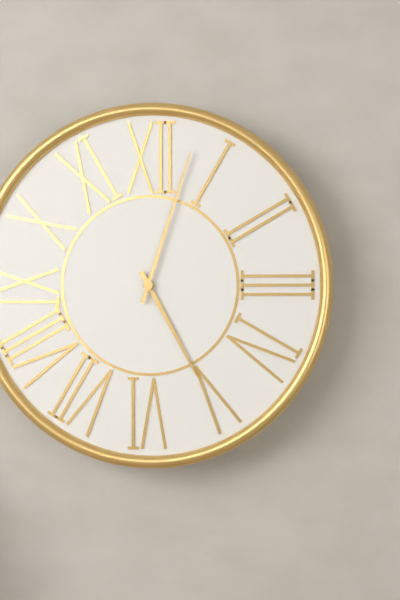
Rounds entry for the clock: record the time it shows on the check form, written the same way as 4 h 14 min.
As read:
5 h 03 min
